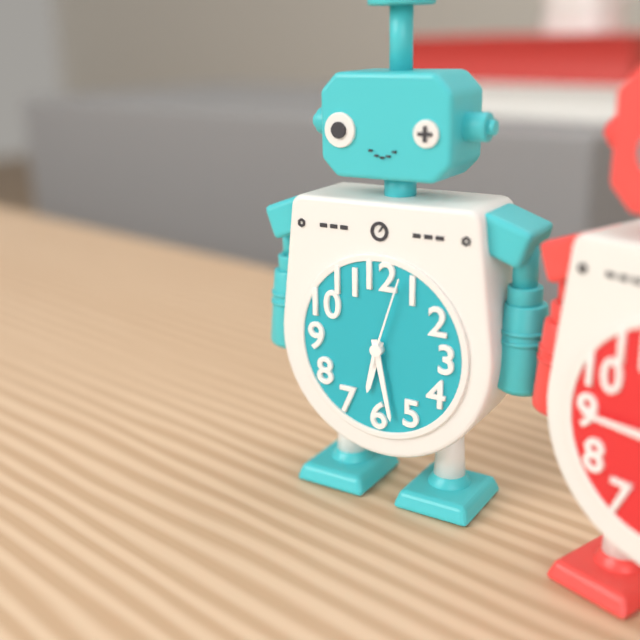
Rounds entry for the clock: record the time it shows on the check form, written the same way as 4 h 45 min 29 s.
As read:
6 h 28 min 03 s
